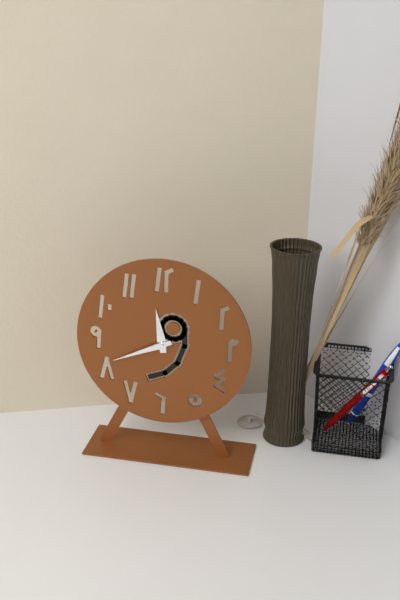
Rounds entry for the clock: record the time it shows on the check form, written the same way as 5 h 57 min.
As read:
11 h 41 min
